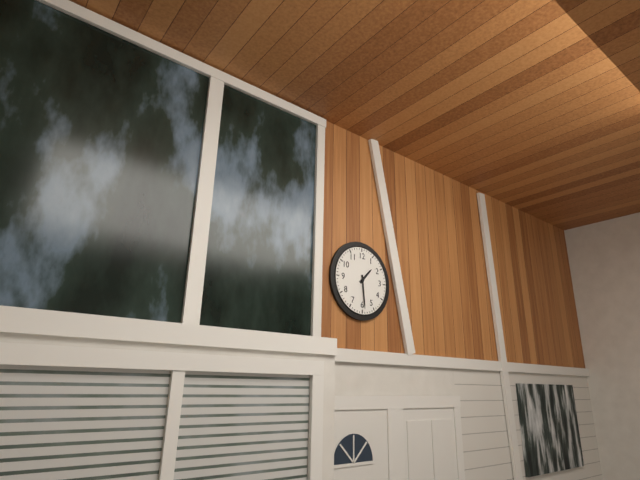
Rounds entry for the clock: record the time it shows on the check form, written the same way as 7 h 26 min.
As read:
1 h 29 min
